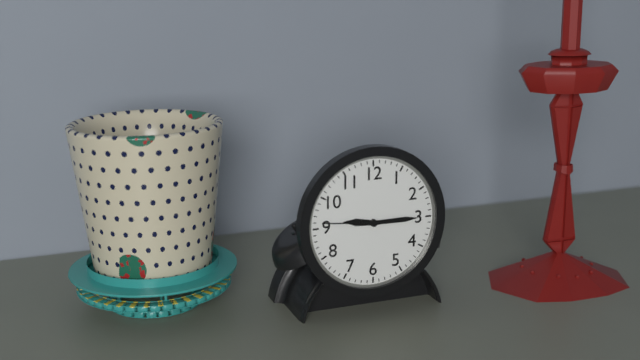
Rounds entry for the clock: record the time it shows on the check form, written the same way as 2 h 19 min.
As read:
9 h 15 min
